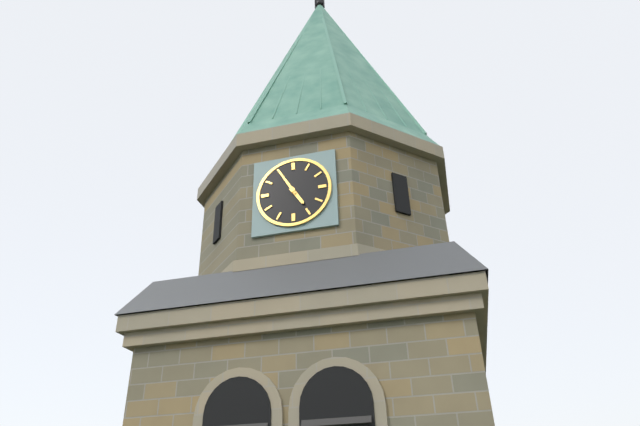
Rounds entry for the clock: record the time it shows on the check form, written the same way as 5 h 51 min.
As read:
4 h 55 min
